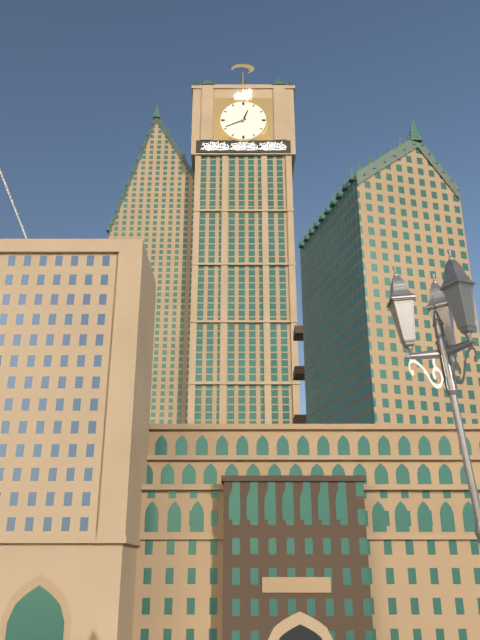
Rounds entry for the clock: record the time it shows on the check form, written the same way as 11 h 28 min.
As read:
12 h 41 min
